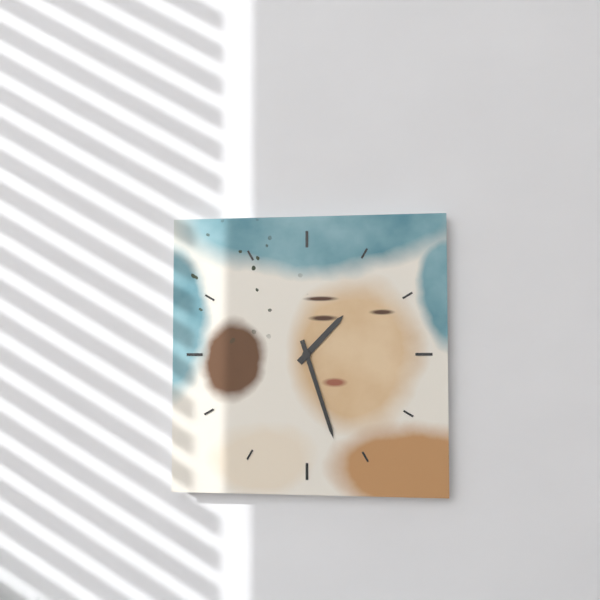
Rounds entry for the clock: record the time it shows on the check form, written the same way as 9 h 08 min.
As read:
1 h 27 min
